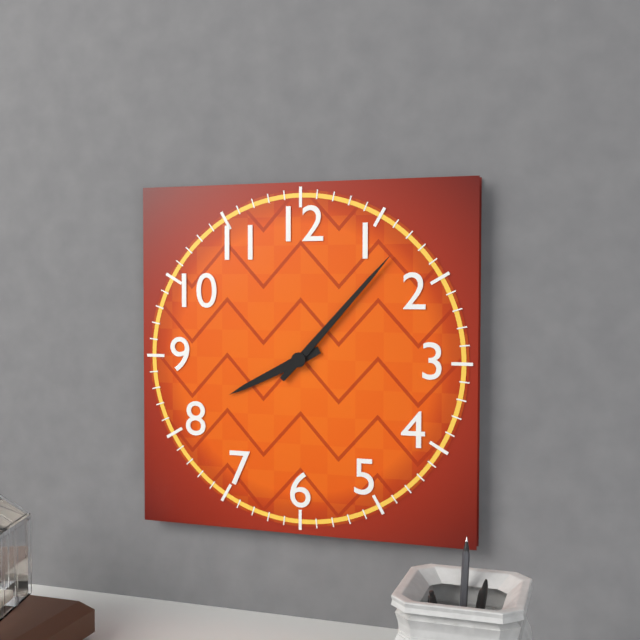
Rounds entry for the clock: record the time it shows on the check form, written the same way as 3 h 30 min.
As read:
8 h 07 min
